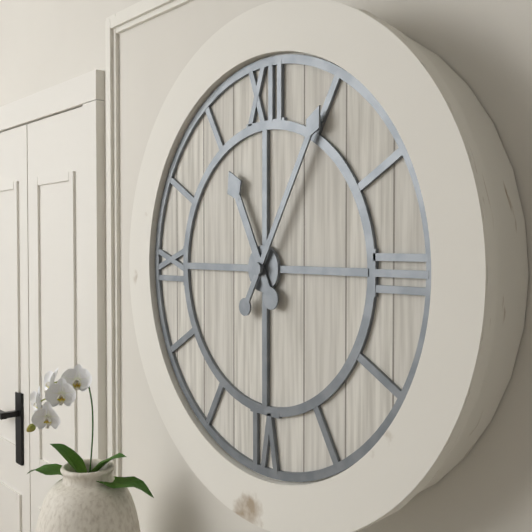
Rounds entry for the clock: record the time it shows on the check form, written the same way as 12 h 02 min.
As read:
11 h 05 min
